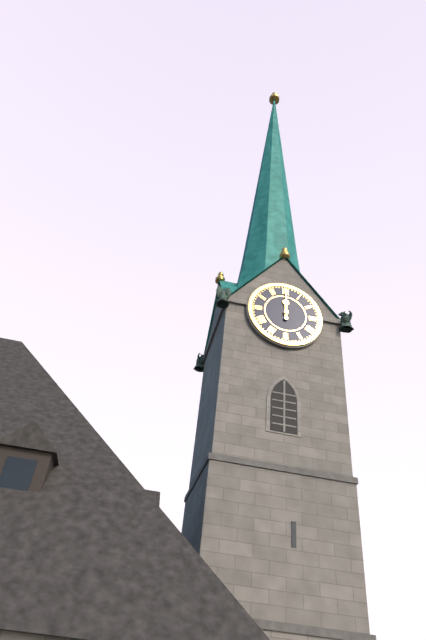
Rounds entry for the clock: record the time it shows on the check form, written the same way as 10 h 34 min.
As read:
12 h 00 min
